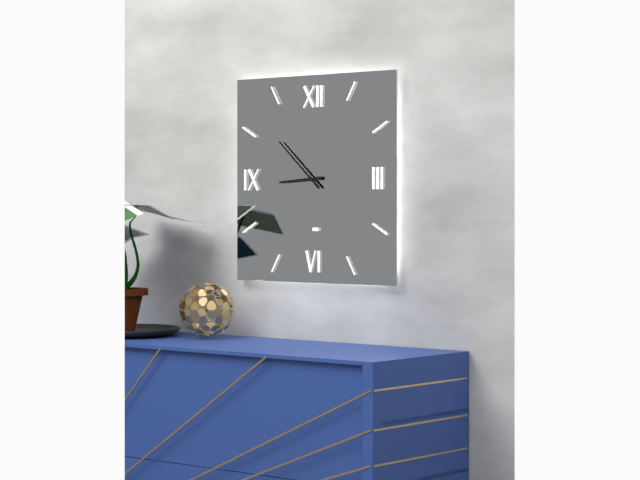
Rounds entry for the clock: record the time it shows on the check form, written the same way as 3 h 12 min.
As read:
8 h 52 min
